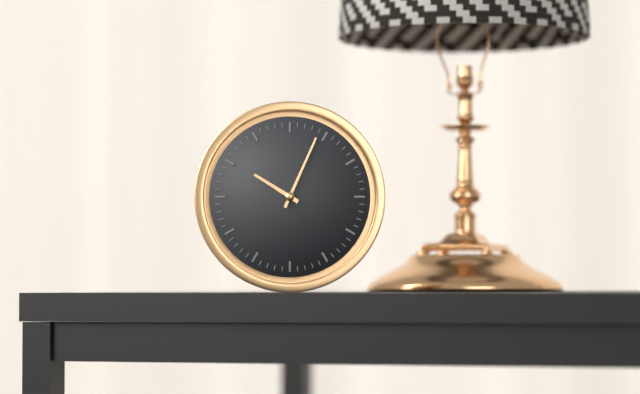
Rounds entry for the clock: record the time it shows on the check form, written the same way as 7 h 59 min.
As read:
10 h 04 min
